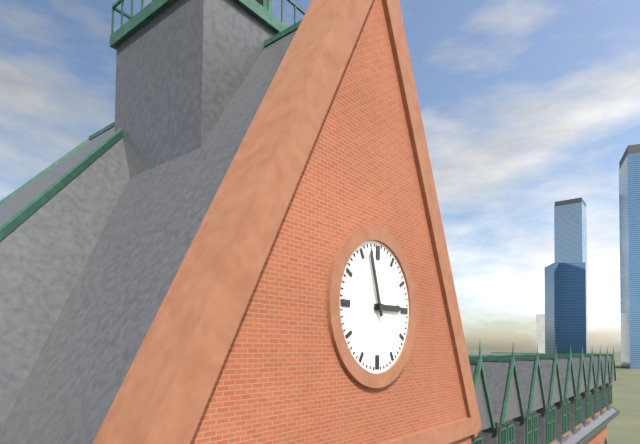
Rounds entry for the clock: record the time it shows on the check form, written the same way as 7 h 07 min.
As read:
2 h 57 min
